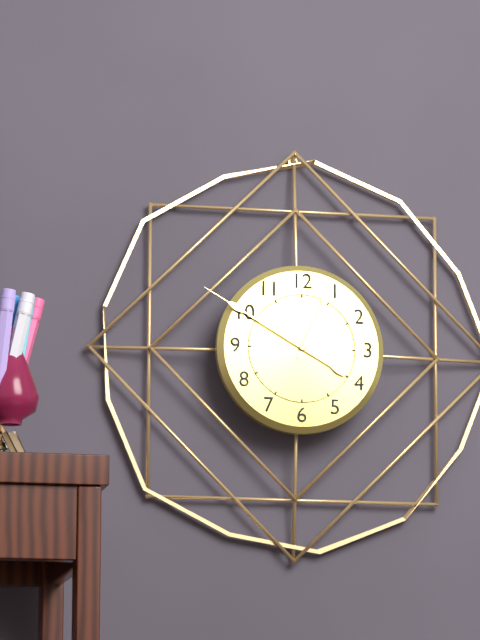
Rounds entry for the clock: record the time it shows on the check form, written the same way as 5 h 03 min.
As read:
12 h 50 min
